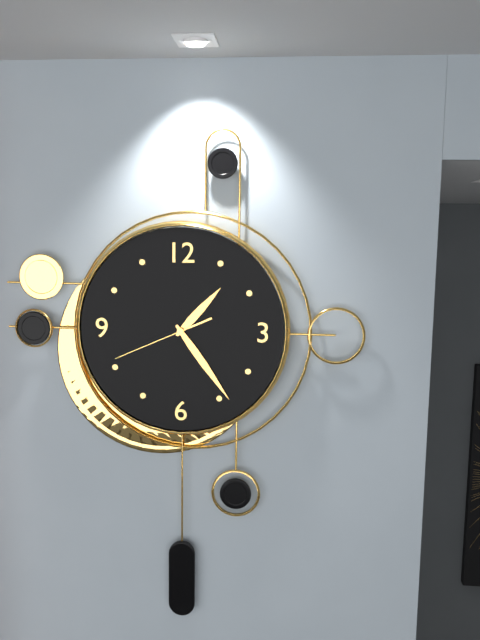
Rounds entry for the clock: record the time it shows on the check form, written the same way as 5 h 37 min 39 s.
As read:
1 h 24 min 41 s
